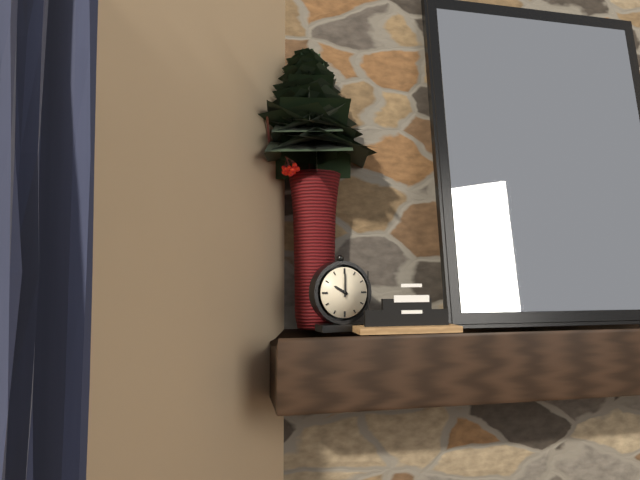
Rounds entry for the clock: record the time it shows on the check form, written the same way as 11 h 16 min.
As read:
10 h 00 min
